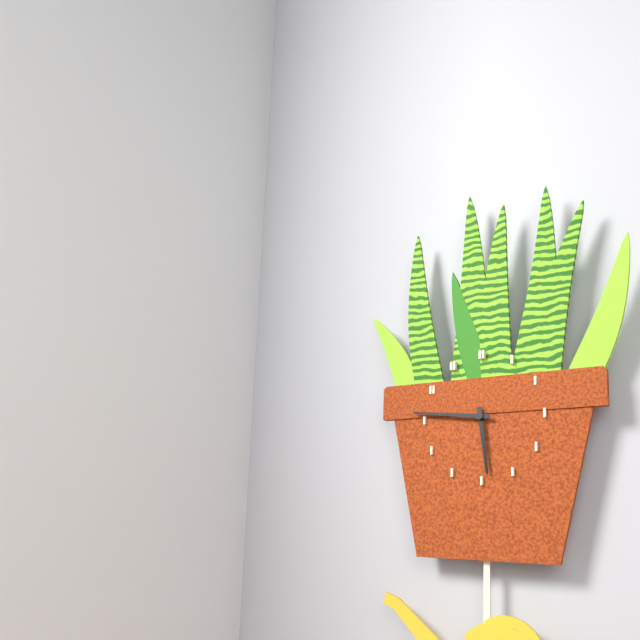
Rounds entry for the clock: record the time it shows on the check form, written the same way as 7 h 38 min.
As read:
5 h 46 min
